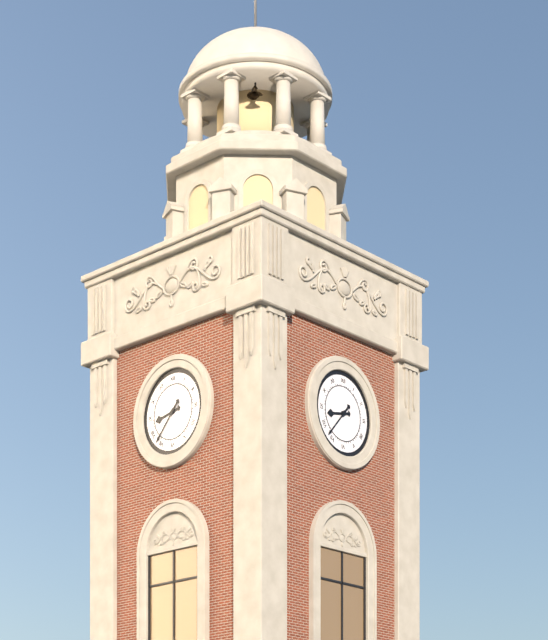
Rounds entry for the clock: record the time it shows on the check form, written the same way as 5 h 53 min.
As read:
8 h 37 min
